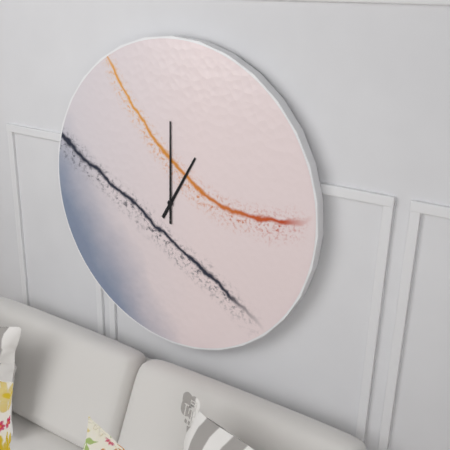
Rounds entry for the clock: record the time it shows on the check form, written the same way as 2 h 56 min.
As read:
1 h 00 min
